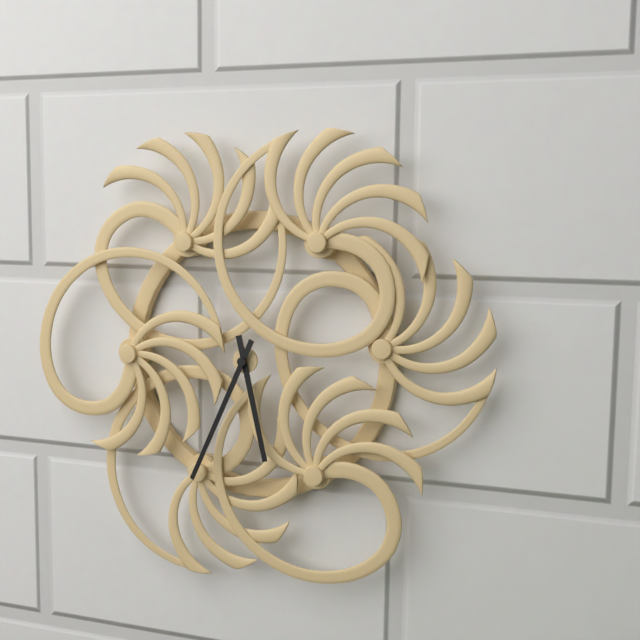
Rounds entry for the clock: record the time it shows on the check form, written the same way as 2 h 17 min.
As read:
5 h 34 min
